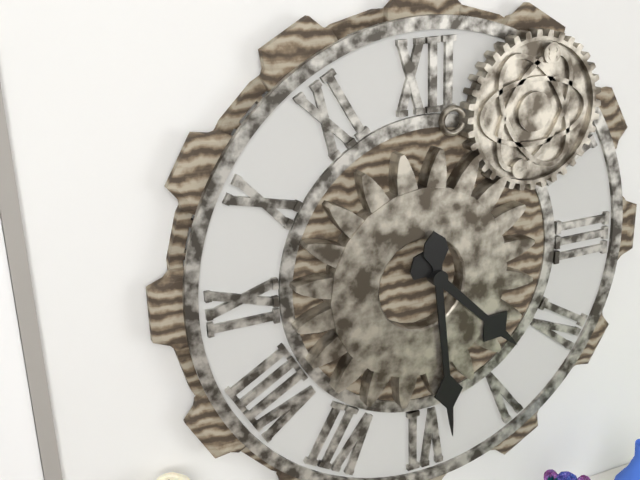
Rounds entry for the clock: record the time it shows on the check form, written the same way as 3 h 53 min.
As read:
4 h 29 min
